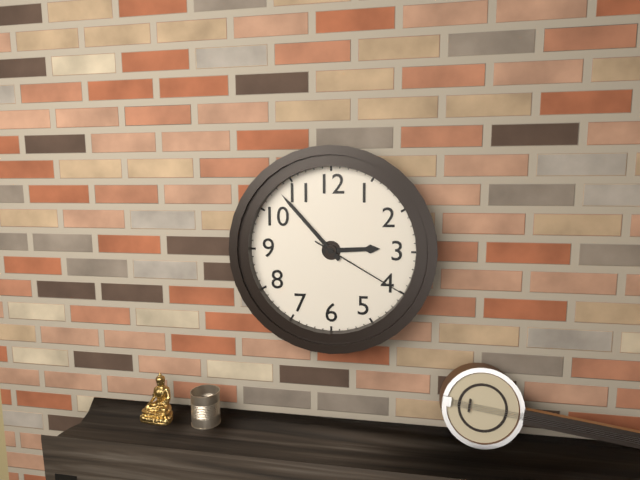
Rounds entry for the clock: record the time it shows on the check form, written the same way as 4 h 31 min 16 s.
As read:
2 h 53 min 20 s
